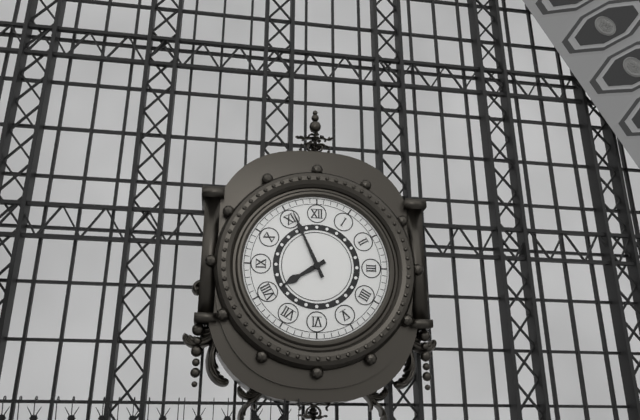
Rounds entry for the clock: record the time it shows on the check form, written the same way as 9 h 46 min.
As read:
7 h 56 min
